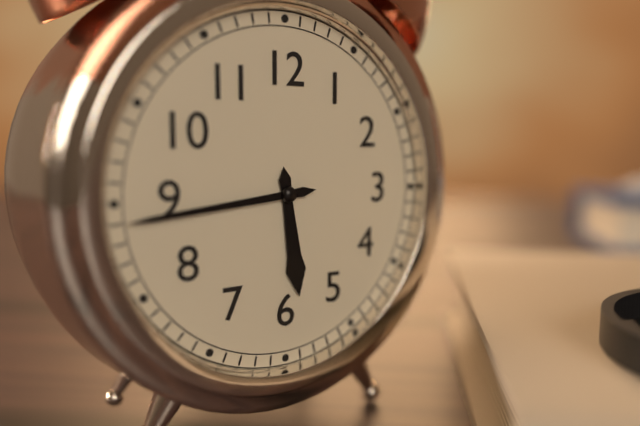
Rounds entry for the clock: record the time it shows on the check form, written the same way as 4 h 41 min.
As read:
5 h 44 min
